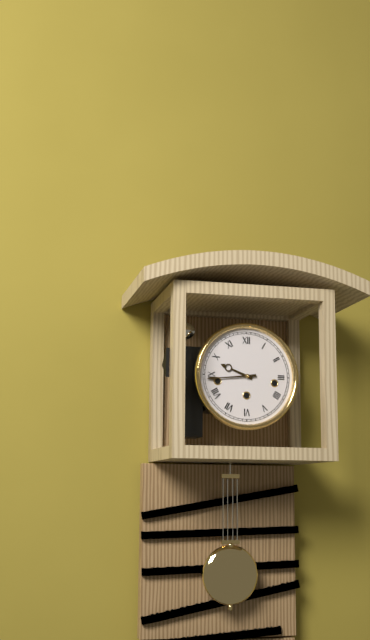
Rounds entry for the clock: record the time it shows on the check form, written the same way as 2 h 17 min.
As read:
9 h 44 min
